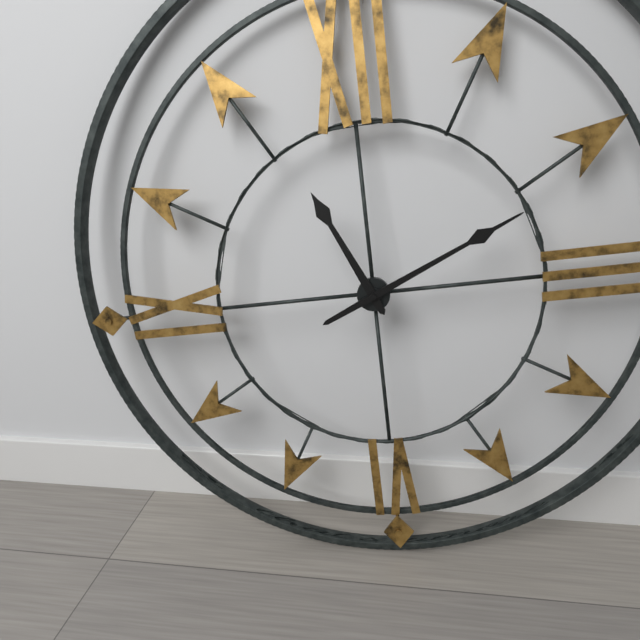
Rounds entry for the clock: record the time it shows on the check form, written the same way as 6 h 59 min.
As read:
11 h 11 min
